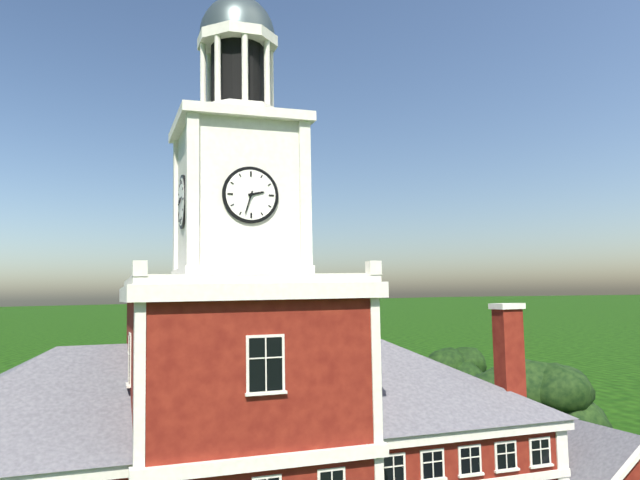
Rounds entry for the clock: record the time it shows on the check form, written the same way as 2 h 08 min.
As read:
2 h 33 min
